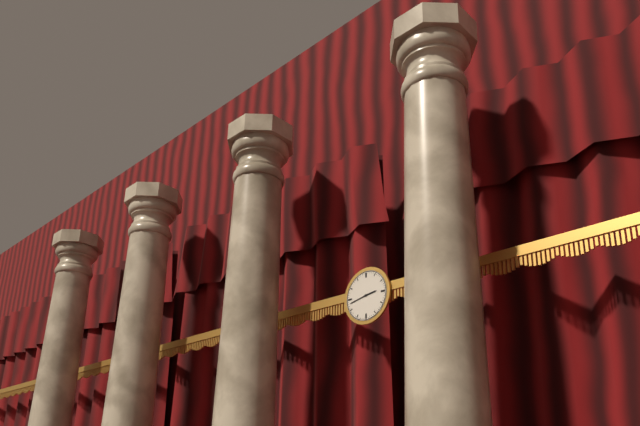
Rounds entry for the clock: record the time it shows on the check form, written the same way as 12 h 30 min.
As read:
2 h 43 min
